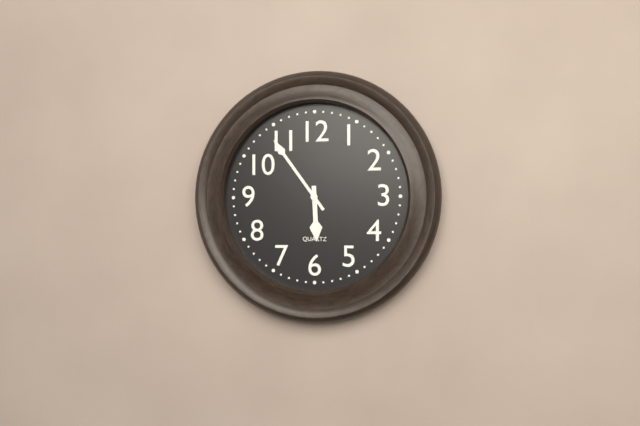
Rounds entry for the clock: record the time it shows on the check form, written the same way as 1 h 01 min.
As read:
5 h 54 min
